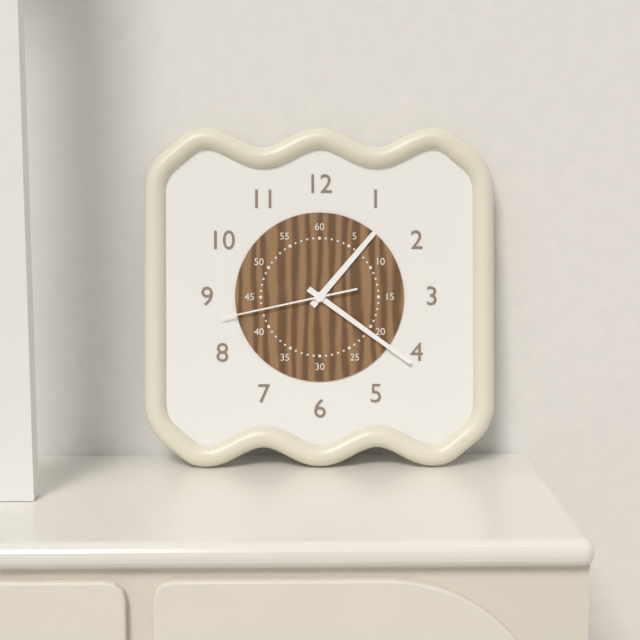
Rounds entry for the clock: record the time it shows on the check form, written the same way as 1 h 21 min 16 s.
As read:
1 h 21 min 43 s
